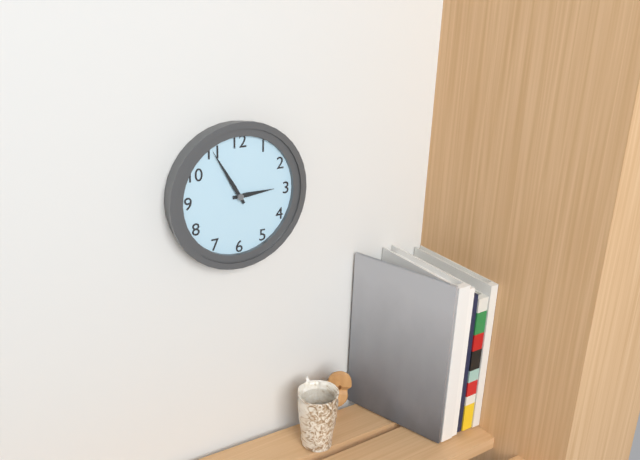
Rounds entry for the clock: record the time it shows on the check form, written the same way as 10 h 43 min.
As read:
2 h 55 min
